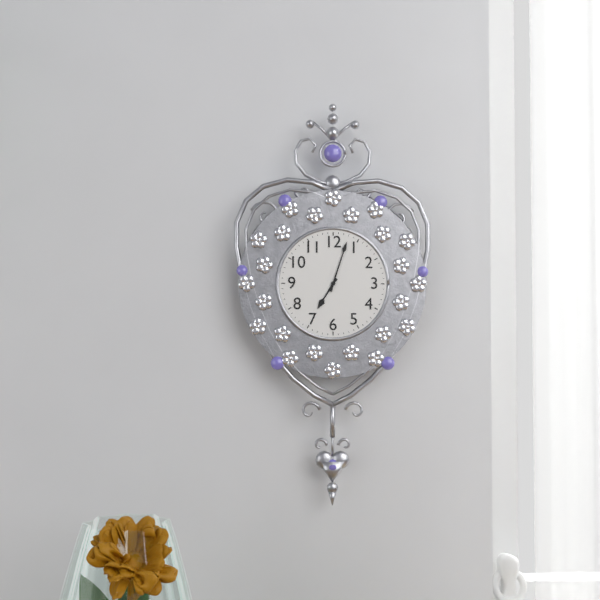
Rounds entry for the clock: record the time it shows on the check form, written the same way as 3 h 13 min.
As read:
7 h 03 min
